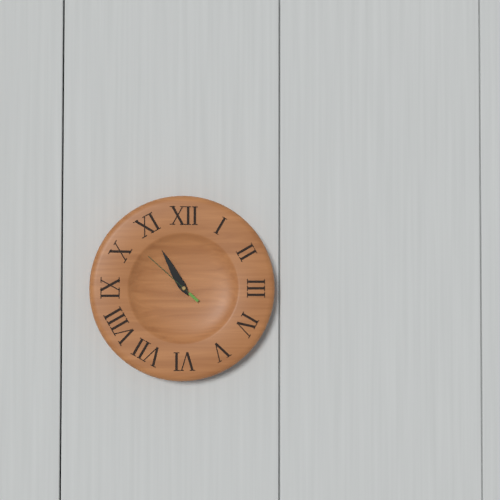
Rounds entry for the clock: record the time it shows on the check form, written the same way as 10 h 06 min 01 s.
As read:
10 h 55 min 52 s
